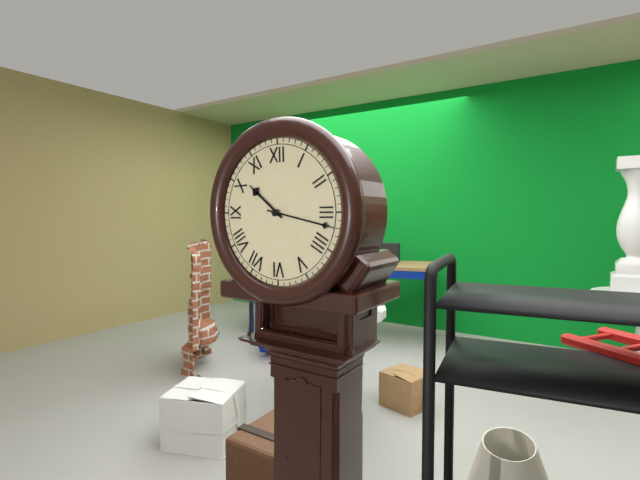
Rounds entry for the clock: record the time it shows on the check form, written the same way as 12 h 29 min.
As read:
10 h 17 min
